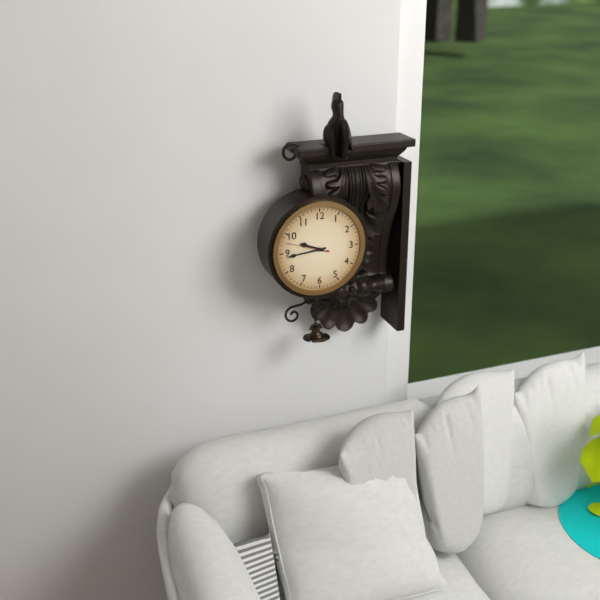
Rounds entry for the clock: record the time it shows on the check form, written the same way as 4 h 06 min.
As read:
9 h 44 min
